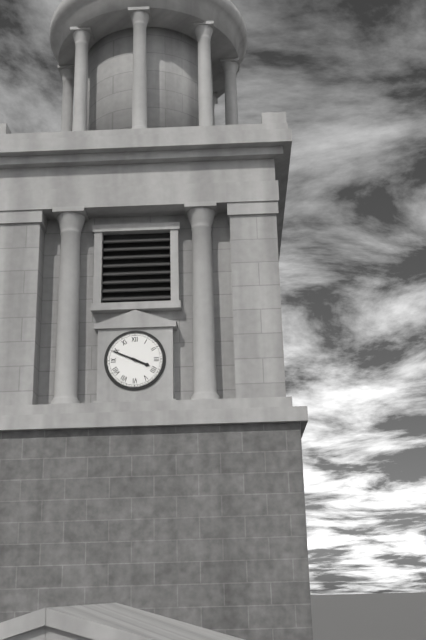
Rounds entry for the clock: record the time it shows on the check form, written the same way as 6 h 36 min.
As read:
3 h 49 min
